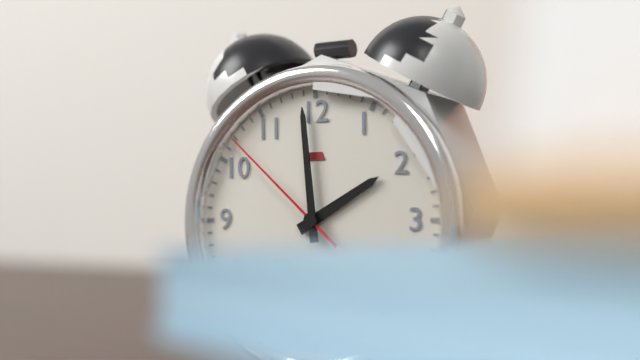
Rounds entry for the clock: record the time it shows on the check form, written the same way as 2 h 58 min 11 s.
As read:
1 h 59 min 52 s
